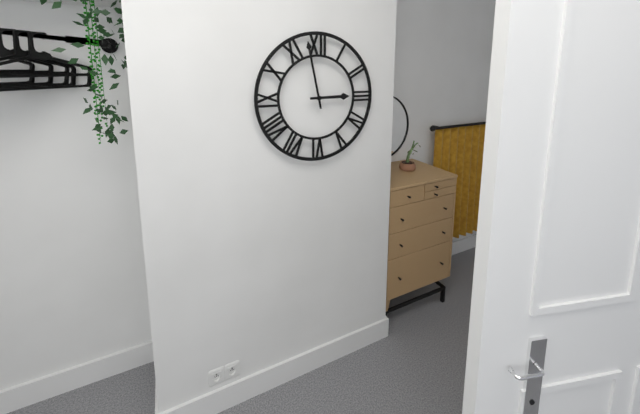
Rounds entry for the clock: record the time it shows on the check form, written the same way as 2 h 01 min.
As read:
2 h 58 min
